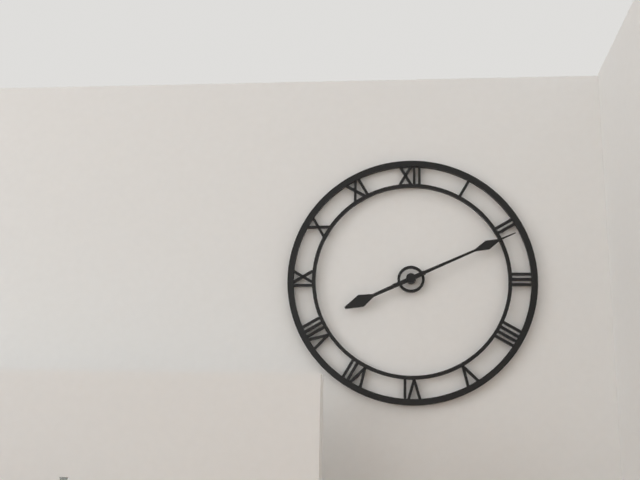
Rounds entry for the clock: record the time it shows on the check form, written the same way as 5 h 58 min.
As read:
8 h 11 min
